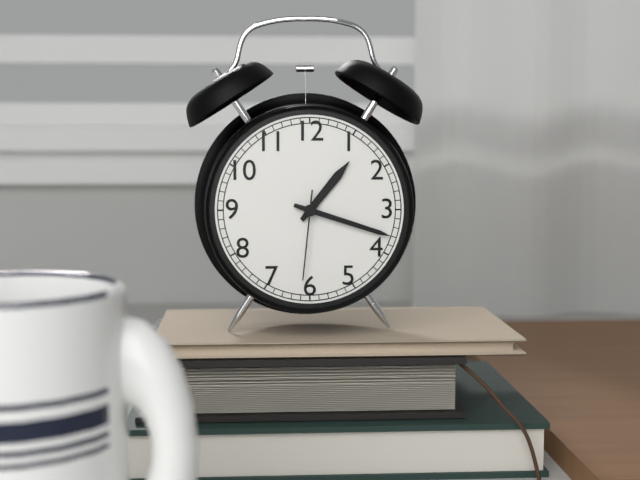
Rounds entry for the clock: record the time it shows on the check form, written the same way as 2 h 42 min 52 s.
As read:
1 h 18 min 31 s
